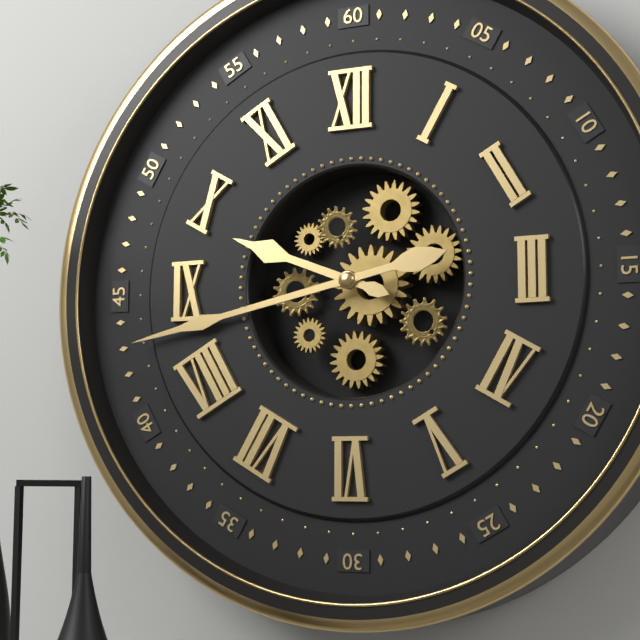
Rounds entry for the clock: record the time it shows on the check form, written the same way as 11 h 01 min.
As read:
9 h 43 min
